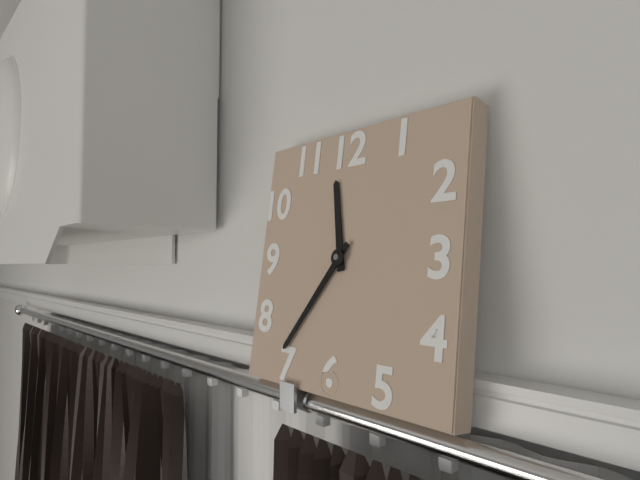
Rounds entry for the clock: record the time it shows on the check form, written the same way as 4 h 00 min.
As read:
11 h 36 min
